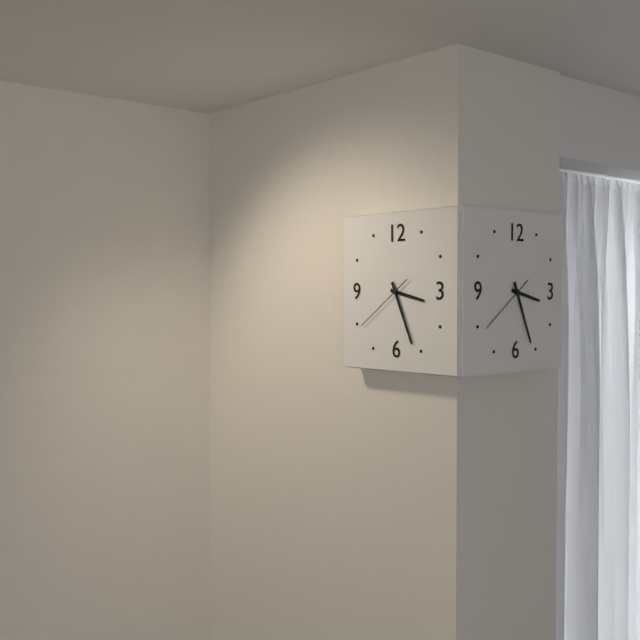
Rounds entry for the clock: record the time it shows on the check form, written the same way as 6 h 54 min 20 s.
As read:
3 h 26 min 39 s
